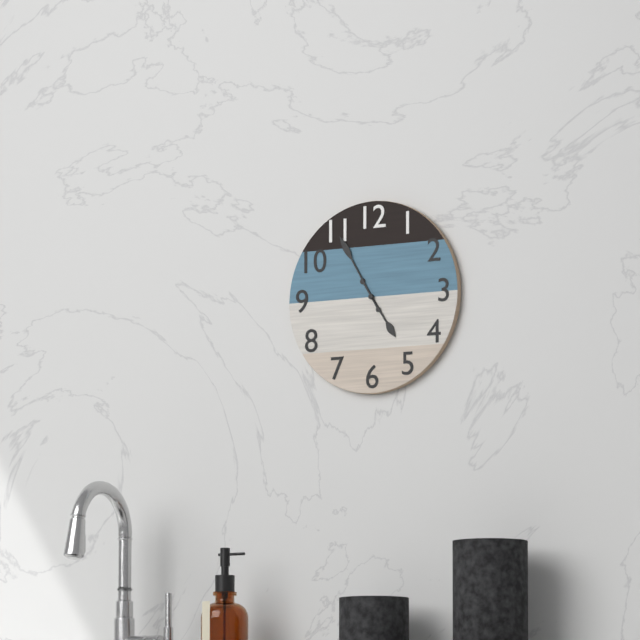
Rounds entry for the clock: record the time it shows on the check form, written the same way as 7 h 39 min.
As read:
4 h 55 min
